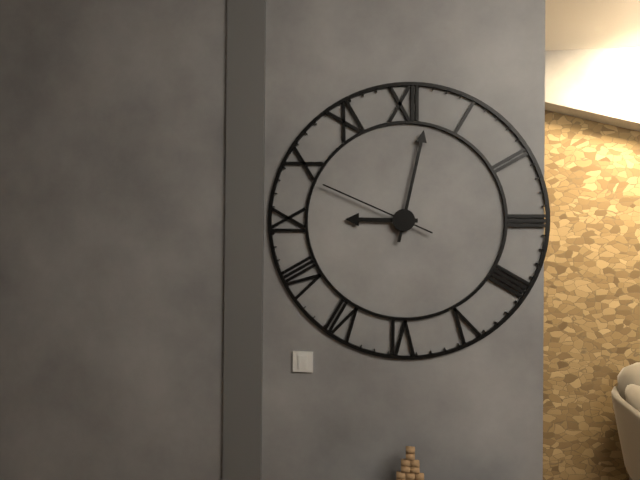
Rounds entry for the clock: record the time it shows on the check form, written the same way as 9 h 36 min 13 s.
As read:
9 h 02 min 49 s
